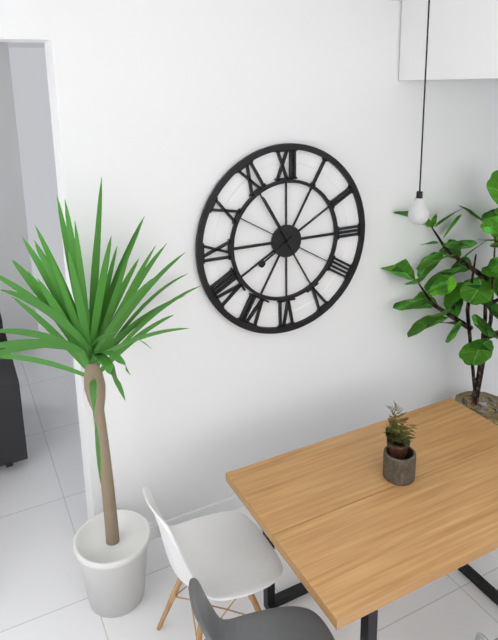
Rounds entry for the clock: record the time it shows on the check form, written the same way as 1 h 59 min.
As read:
7 h 55 min
